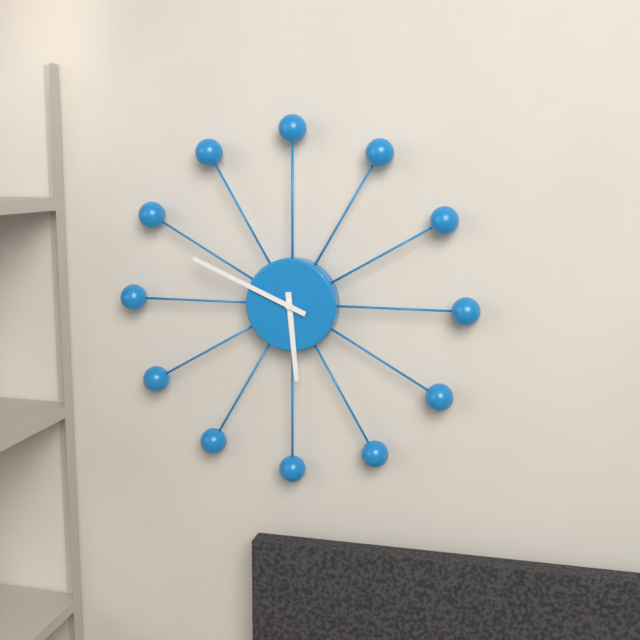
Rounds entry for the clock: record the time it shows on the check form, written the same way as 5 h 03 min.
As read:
5 h 49 min
